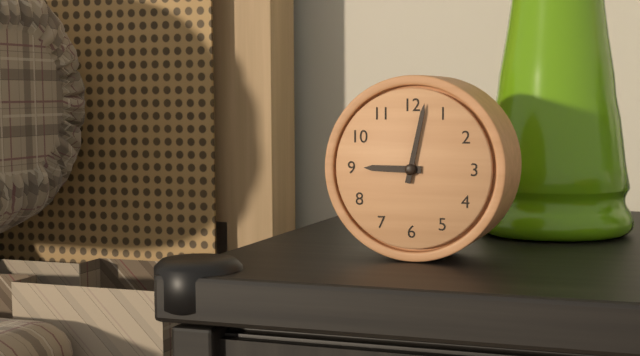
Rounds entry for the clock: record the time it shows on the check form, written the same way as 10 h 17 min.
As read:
9 h 02 min
